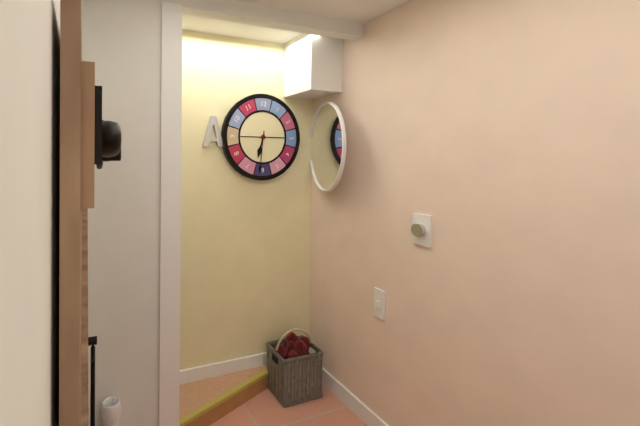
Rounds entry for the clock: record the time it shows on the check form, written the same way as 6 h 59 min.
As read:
6 h 31 min
